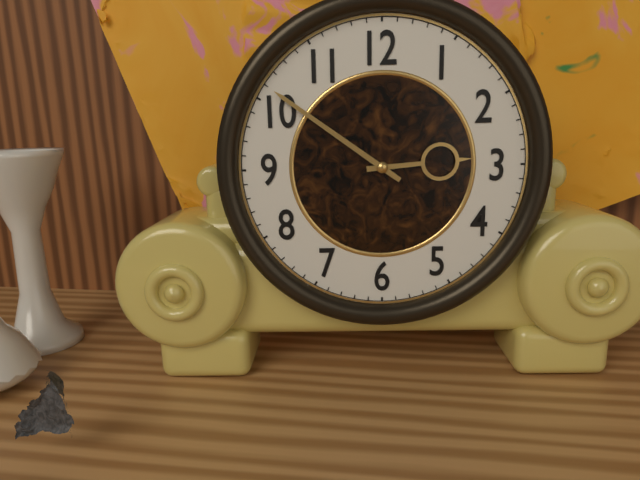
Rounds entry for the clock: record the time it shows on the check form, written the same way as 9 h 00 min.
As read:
2 h 51 min
